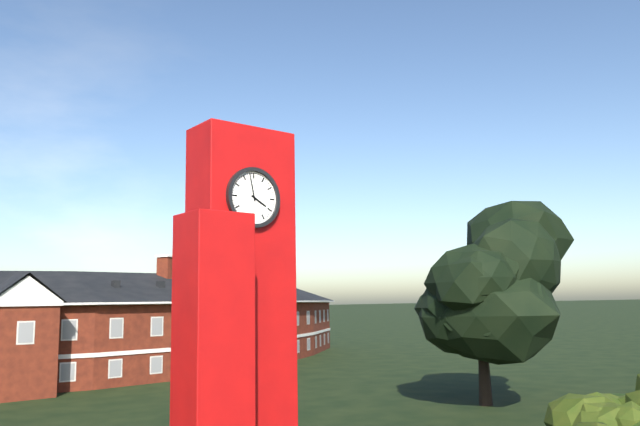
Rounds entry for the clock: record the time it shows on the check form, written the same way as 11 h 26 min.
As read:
3 h 58 min
